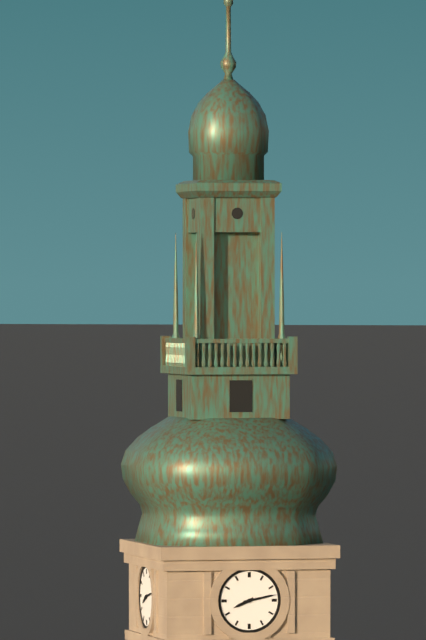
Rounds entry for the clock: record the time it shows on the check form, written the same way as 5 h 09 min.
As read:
8 h 13 min
